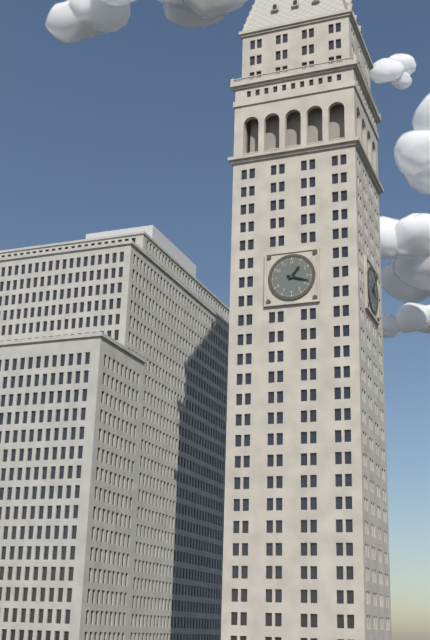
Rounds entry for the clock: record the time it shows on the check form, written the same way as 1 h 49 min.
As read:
1 h 18 min
